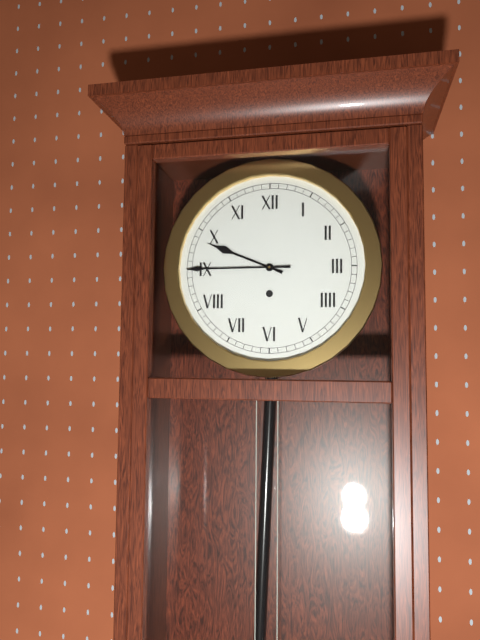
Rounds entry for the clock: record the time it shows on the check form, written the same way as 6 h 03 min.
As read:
9 h 45 min
